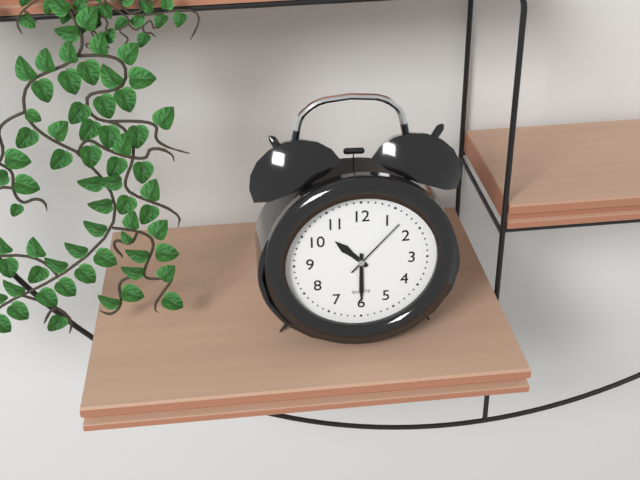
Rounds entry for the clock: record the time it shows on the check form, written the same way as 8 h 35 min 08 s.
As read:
10 h 30 min 07 s
